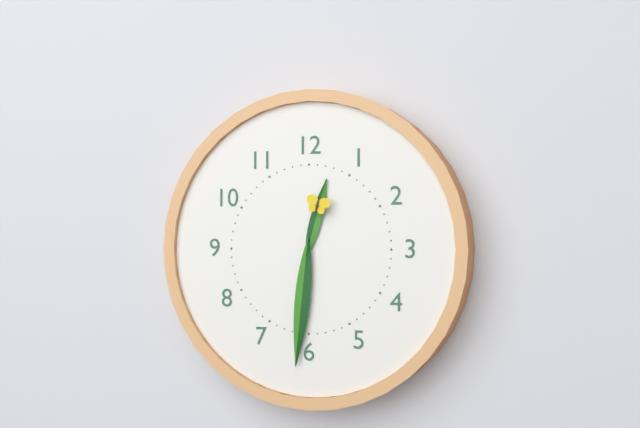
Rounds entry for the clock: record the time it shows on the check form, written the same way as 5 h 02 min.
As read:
12 h 31 min
